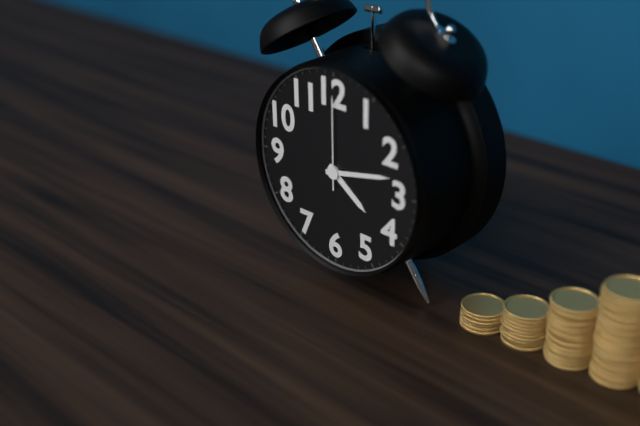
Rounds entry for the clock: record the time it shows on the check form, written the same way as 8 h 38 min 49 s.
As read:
4 h 13 min 00 s
